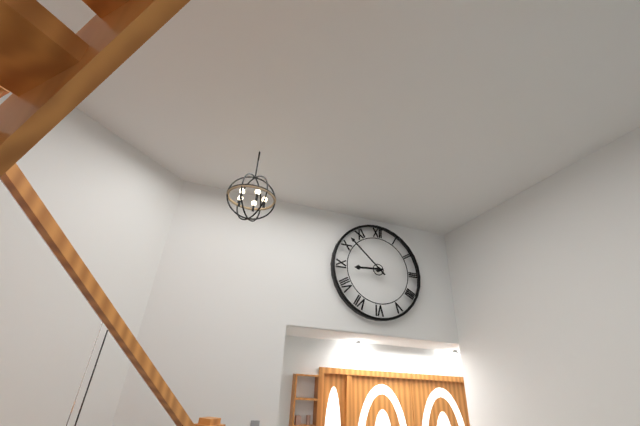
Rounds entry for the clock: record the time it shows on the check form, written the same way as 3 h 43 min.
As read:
8 h 52 min
